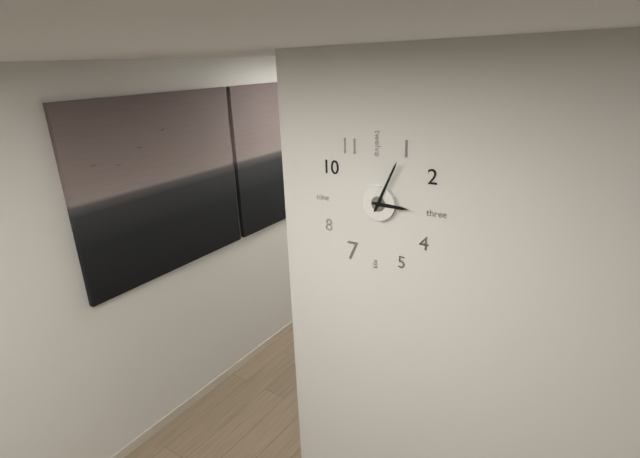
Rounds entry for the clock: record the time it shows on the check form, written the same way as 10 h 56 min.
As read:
3 h 04 min
